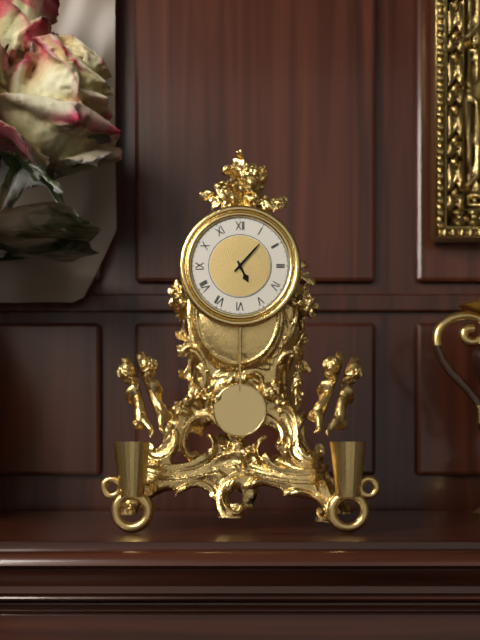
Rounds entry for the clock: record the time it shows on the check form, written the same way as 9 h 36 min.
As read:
5 h 07 min
